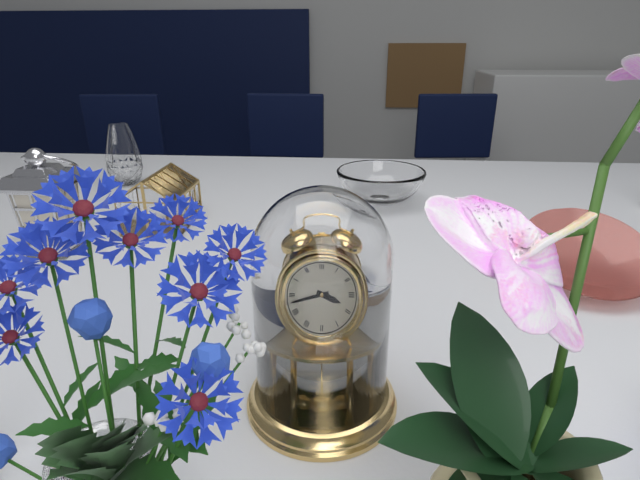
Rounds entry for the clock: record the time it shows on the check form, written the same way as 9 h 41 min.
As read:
3 h 43 min
